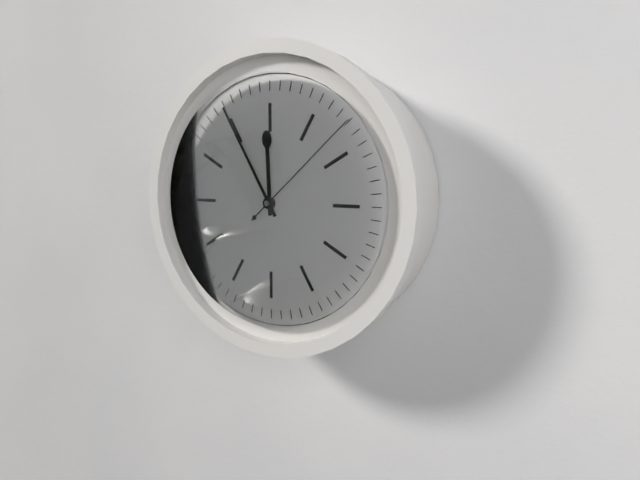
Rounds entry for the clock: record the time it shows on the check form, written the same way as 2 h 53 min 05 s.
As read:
11 h 55 min 08 s
